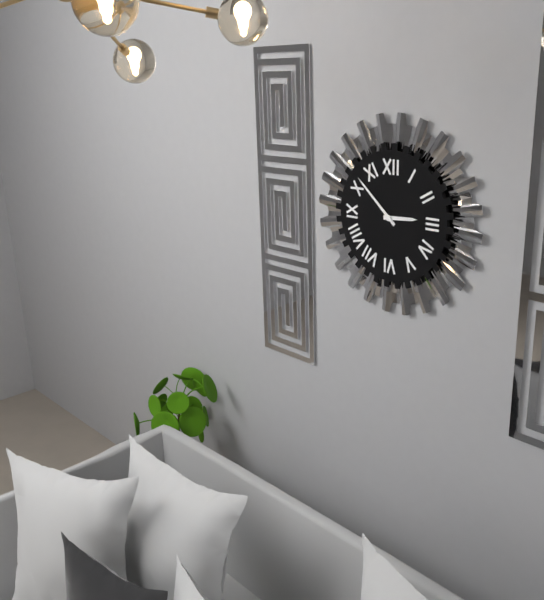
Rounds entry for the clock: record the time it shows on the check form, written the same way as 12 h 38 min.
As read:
2 h 52 min
